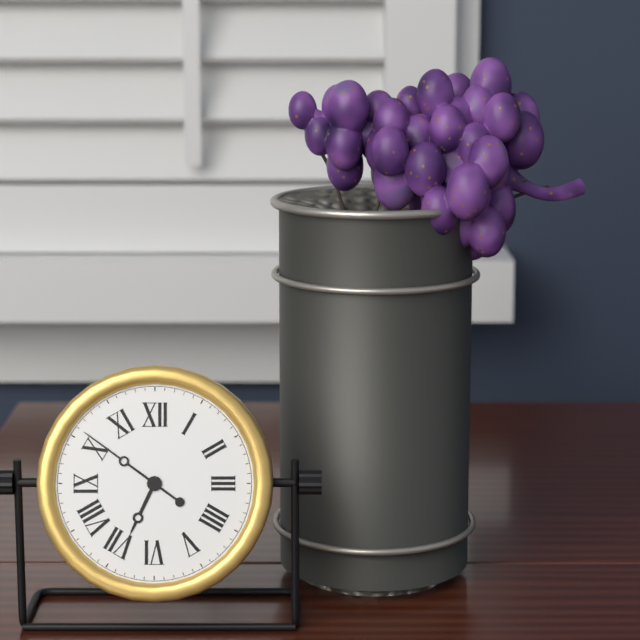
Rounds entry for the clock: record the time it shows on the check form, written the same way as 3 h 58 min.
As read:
6 h 51 min
